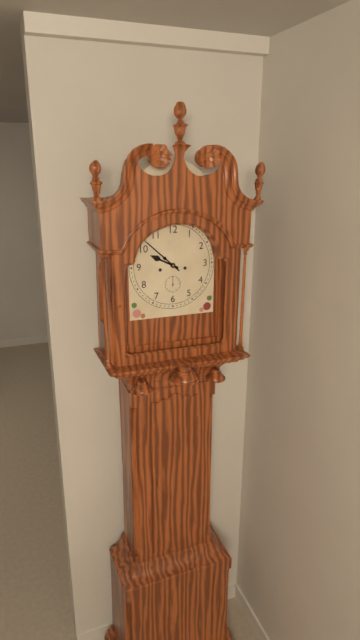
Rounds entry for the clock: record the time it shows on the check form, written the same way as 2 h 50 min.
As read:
9 h 52 min
